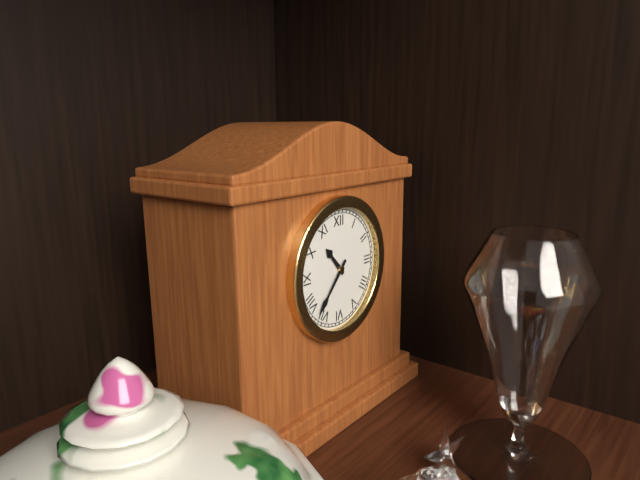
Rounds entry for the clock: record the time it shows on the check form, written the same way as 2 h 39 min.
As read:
10 h 37 min
